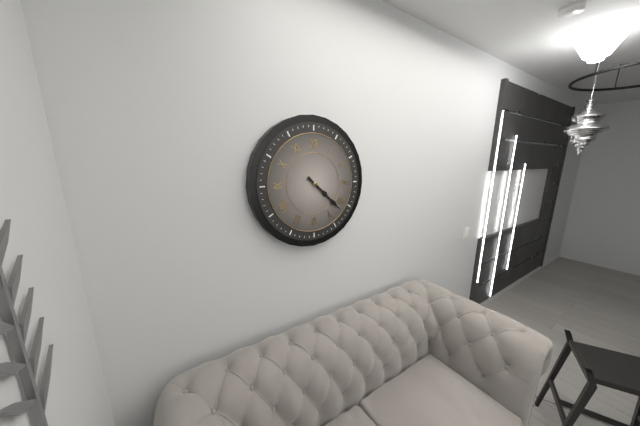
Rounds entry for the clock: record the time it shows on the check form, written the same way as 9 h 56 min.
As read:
4 h 22 min
